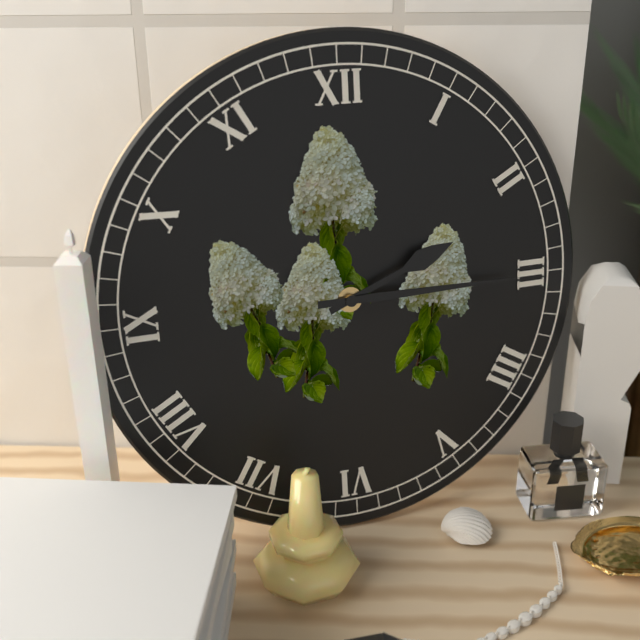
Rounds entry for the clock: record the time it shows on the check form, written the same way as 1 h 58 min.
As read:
2 h 15 min
